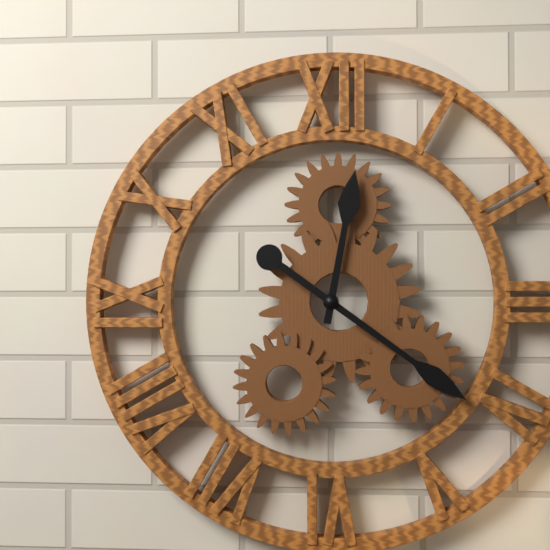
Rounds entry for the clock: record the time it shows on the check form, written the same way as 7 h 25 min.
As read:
12 h 21 min
